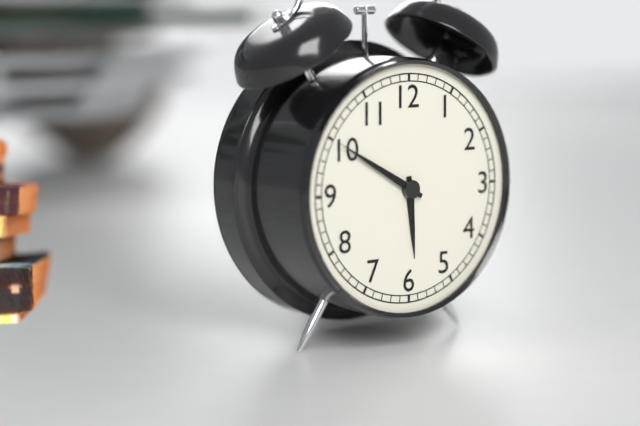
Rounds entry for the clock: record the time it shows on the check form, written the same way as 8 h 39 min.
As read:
5 h 50 min
